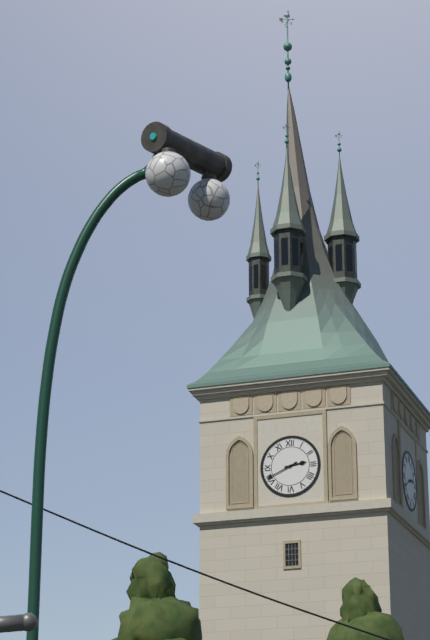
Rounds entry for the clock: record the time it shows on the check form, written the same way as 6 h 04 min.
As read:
2 h 41 min
